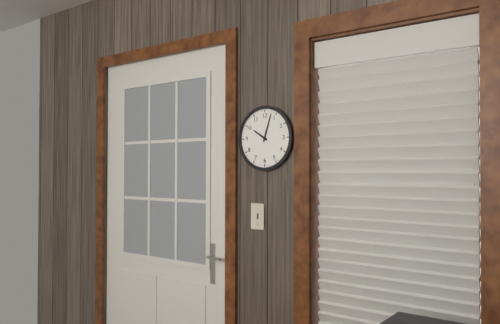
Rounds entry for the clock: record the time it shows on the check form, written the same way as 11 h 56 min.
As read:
10 h 03 min
